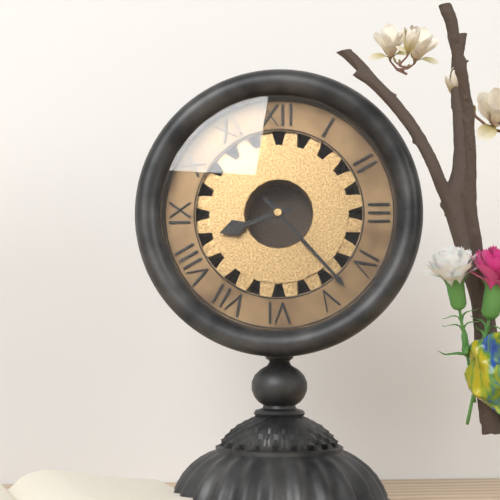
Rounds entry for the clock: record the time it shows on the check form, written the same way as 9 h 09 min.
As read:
8 h 23 min
